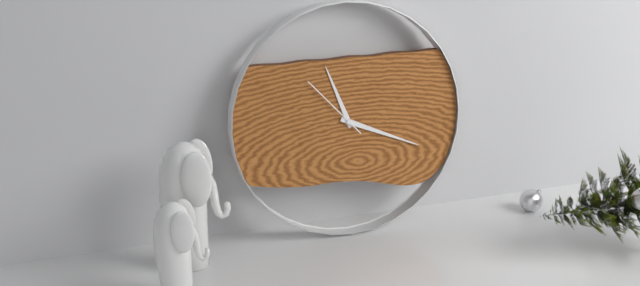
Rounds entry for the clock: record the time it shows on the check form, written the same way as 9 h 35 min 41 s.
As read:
11 h 19 min 53 s
